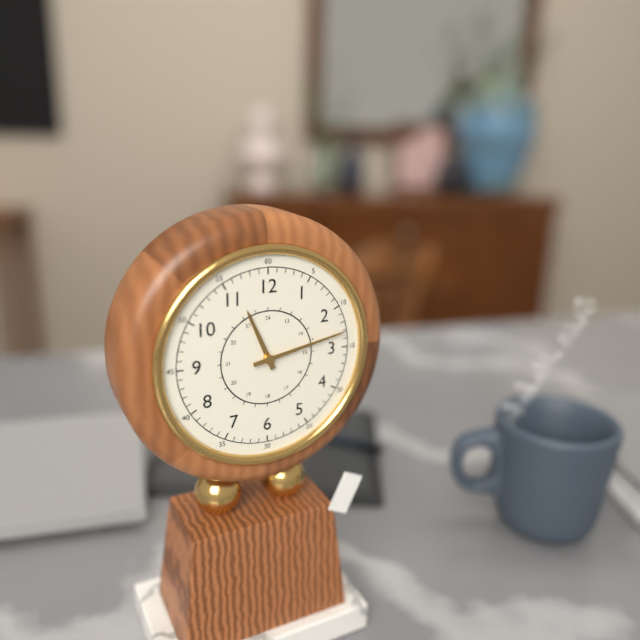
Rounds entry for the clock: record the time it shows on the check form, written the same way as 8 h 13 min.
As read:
11 h 13 min
